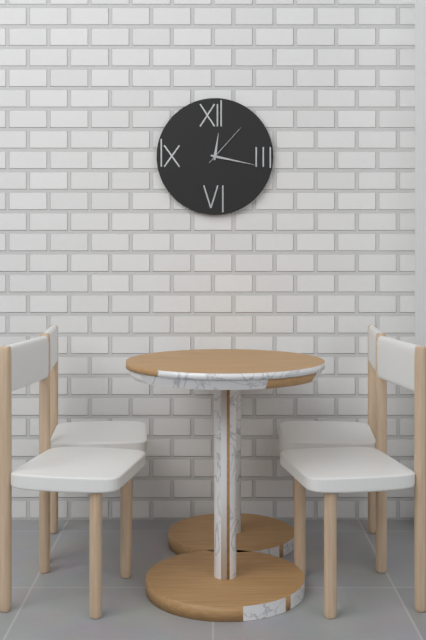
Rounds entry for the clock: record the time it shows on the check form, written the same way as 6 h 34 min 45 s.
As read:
12 h 17 min 07 s
